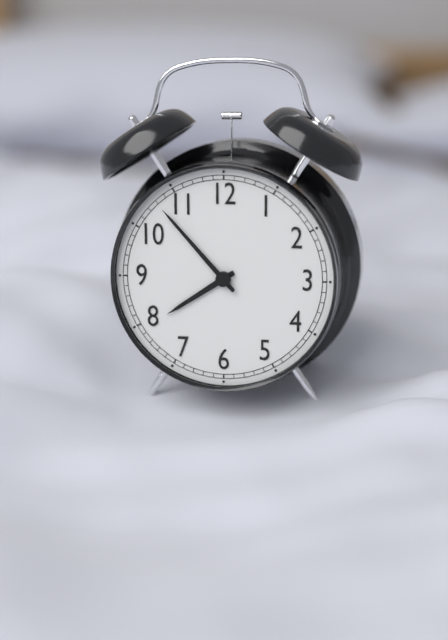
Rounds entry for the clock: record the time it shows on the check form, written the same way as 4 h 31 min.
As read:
7 h 53 min
